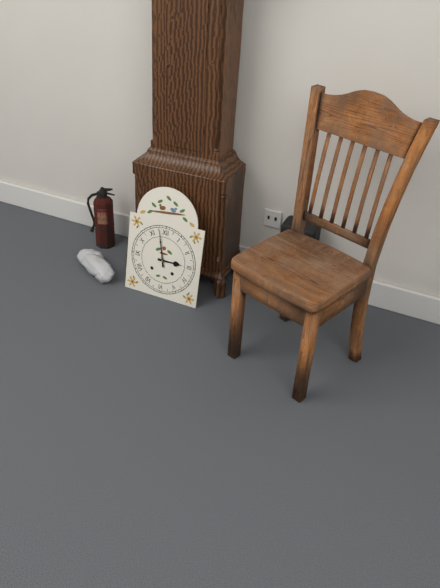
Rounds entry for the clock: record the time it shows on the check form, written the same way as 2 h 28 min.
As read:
2 h 58 min
